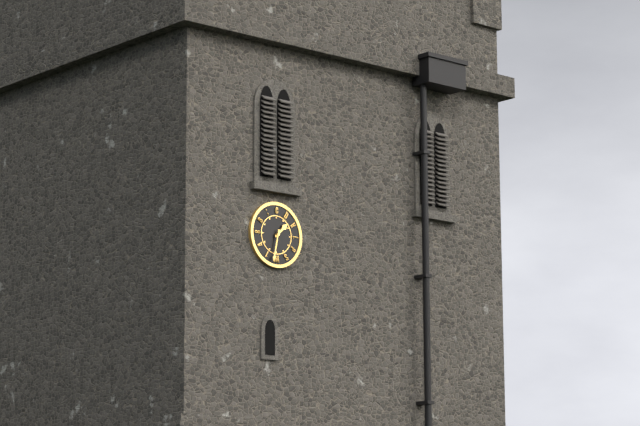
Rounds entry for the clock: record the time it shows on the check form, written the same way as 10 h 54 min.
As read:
1 h 32 min
